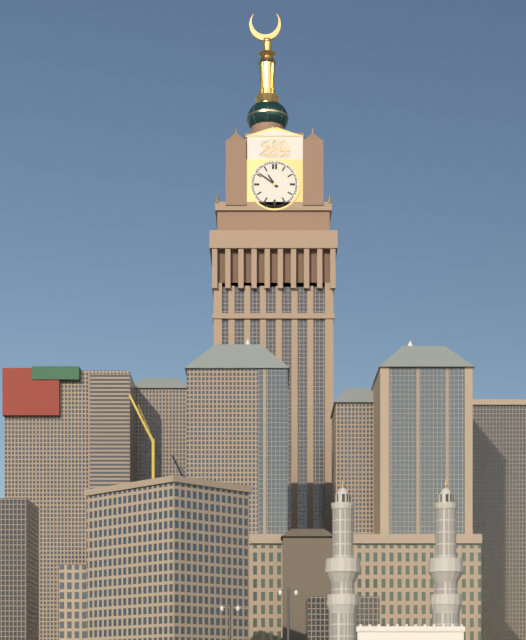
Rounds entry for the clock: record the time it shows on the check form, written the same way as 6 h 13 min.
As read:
10 h 51 min
